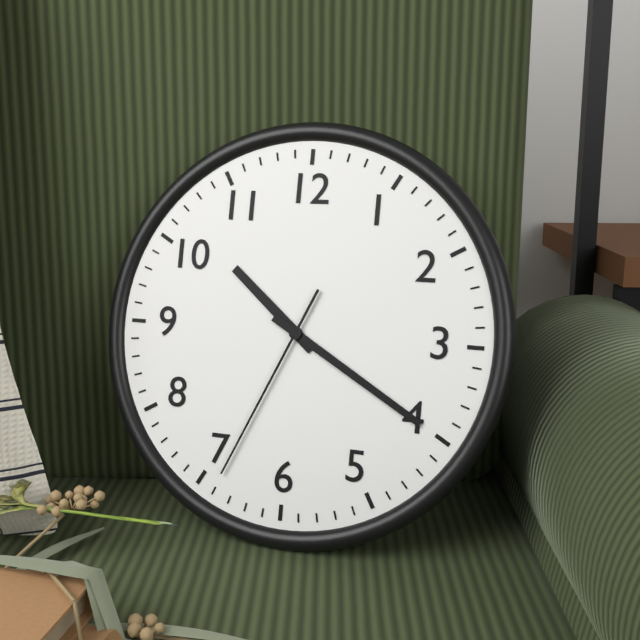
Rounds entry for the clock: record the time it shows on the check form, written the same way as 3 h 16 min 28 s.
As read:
10 h 20 min 34 s
